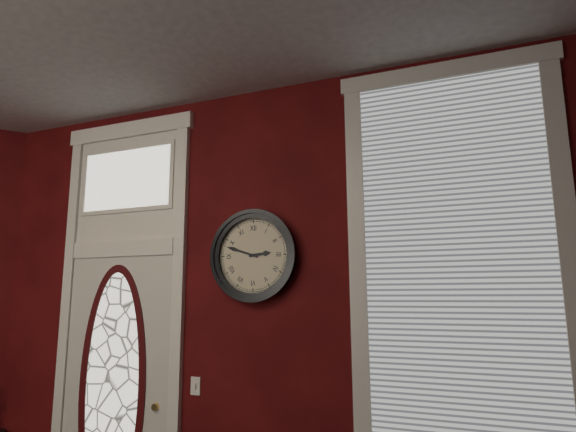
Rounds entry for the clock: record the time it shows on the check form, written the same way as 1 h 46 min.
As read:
2 h 48 min
